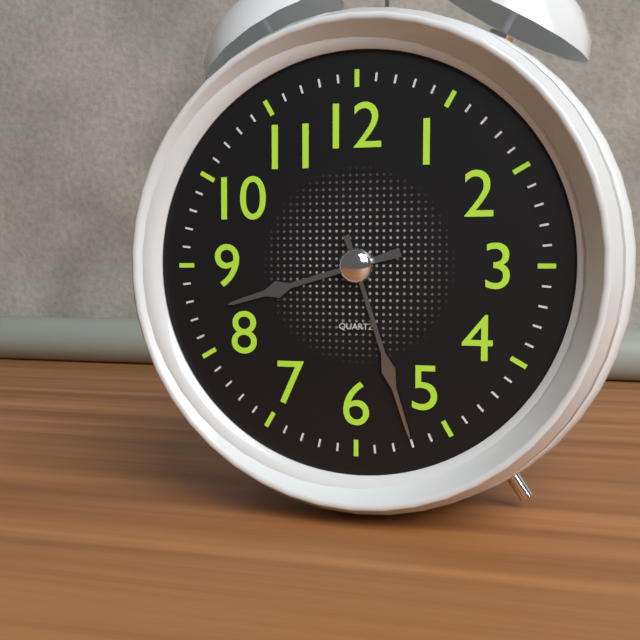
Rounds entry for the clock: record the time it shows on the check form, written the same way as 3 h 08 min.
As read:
8 h 27 min
